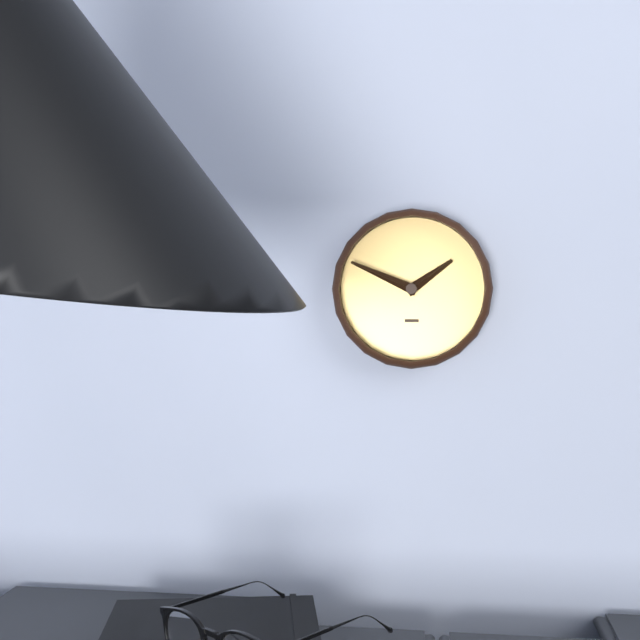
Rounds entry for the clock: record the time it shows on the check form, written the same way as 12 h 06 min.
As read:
1 h 49 min
